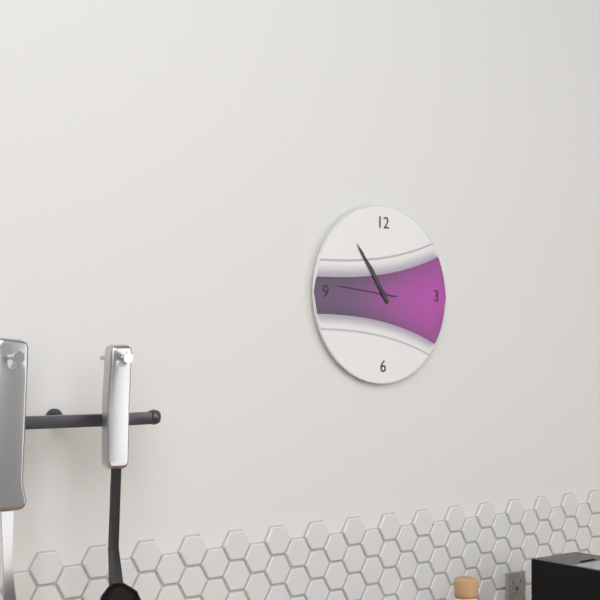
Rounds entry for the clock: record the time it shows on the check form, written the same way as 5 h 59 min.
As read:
10 h 54 min
